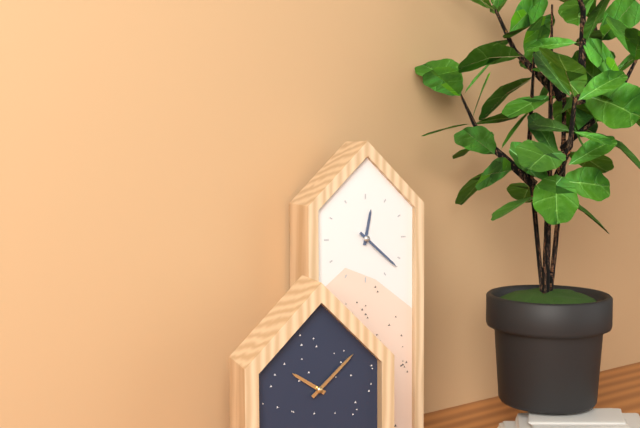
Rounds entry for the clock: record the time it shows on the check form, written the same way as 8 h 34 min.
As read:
12 h 22 min
